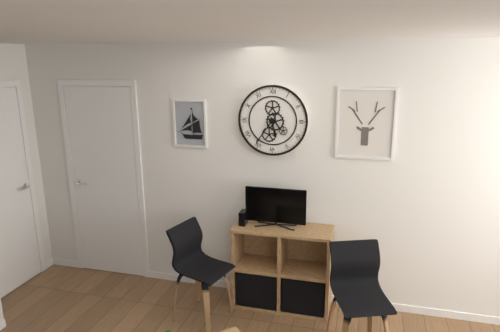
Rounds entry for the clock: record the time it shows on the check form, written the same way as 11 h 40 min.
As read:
5 h 36 min
